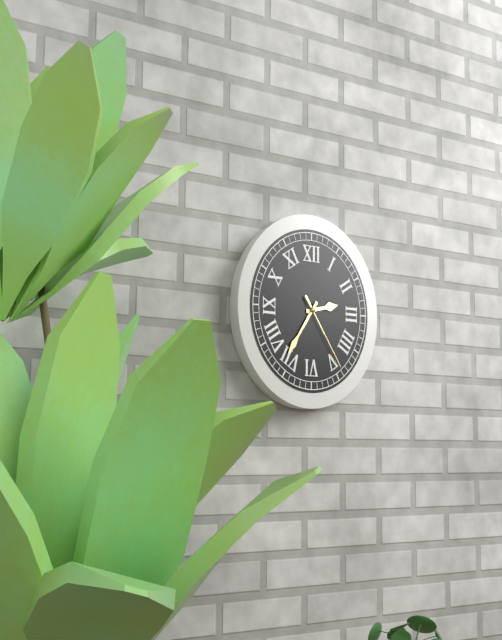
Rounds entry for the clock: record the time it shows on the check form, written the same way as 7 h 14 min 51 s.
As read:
2 h 36 min 24 s
